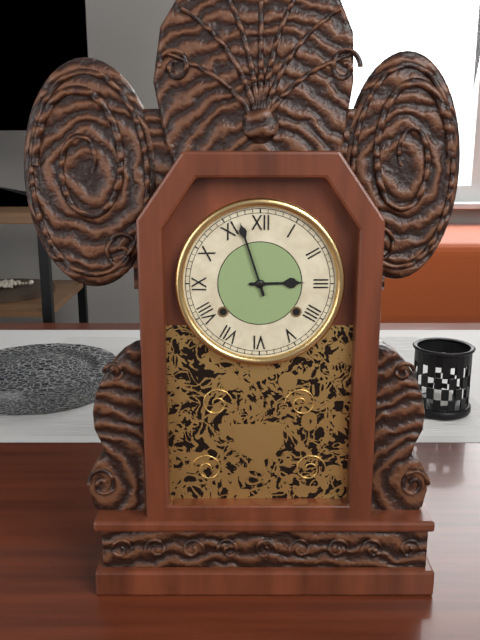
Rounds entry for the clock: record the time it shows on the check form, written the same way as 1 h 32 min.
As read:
2 h 57 min
